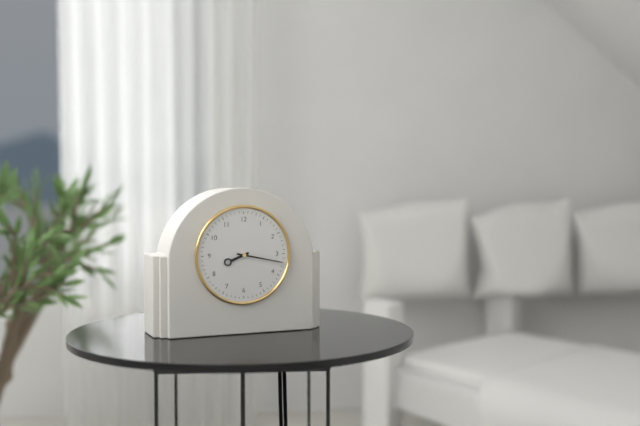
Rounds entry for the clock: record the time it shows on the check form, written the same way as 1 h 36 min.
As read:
8 h 17 min
